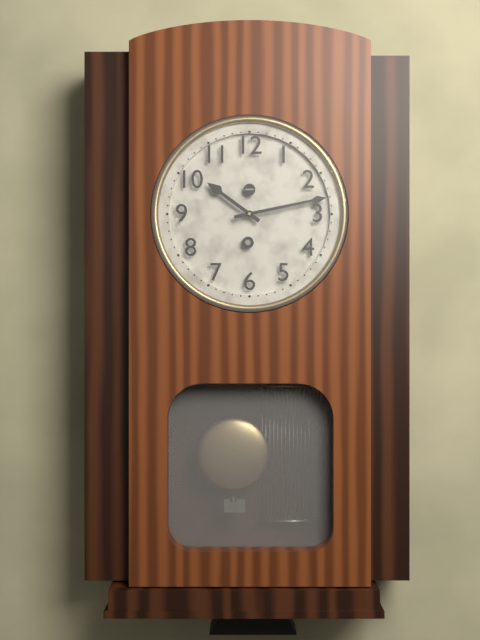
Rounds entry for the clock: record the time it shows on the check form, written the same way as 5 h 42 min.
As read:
10 h 13 min
